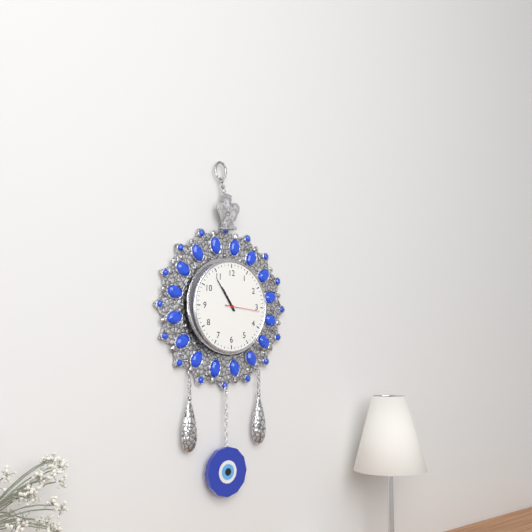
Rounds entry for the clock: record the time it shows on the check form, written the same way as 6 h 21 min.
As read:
10 h 54 min
